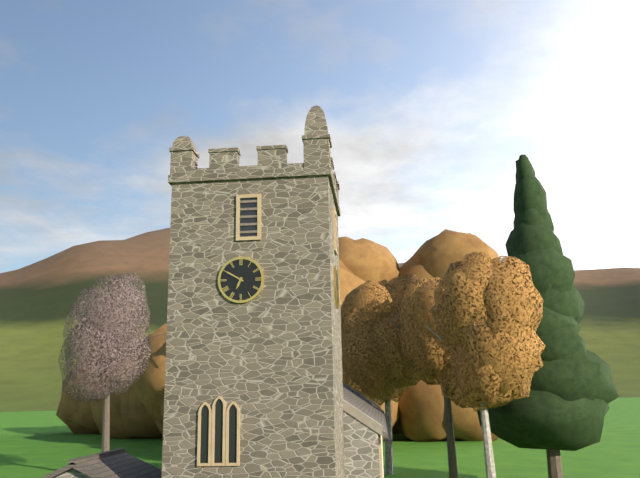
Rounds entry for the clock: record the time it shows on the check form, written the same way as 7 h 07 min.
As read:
6 h 50 min
